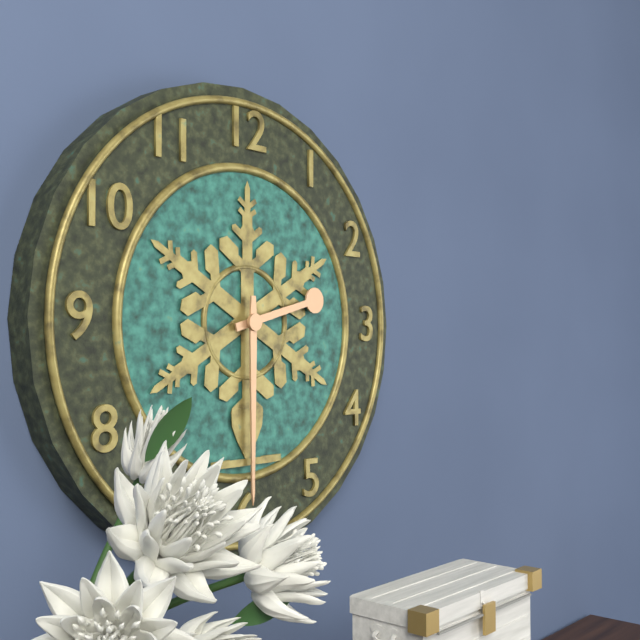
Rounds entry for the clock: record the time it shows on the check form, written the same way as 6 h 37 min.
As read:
2 h 30 min
